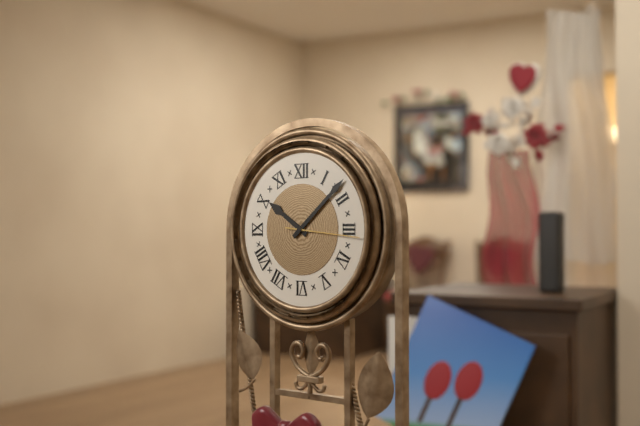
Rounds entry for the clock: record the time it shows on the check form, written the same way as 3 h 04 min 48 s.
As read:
10 h 08 min 16 s
